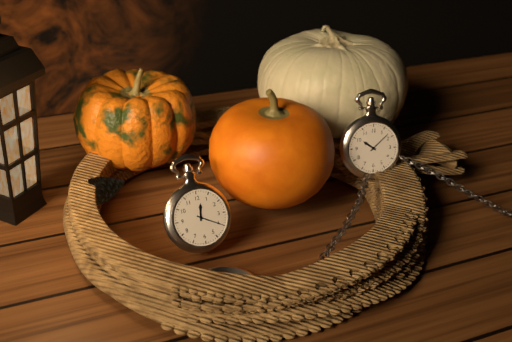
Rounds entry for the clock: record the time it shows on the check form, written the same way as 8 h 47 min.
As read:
12 h 20 min
